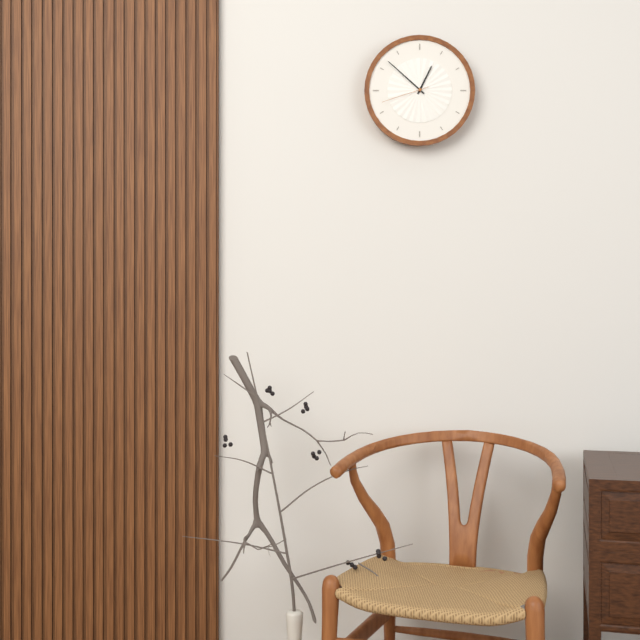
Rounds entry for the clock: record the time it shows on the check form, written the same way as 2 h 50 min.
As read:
12 h 52 min
